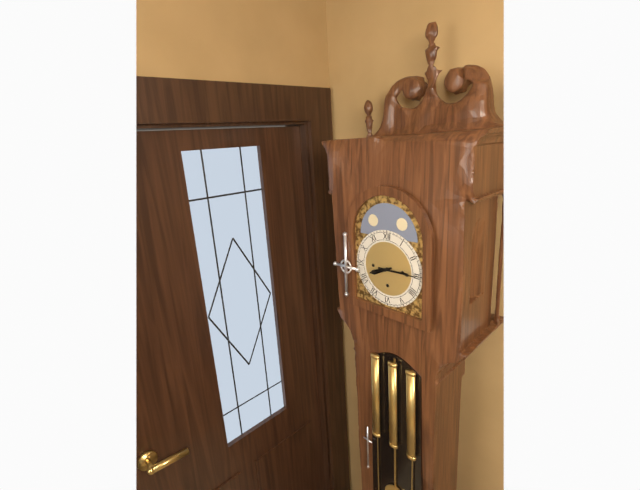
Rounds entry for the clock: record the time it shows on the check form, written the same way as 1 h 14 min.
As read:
8 h 15 min
